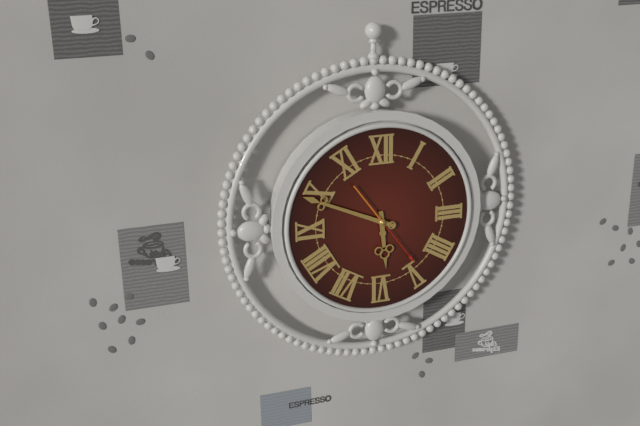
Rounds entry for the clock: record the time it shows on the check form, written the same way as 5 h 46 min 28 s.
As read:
5 h 49 min 24 s
